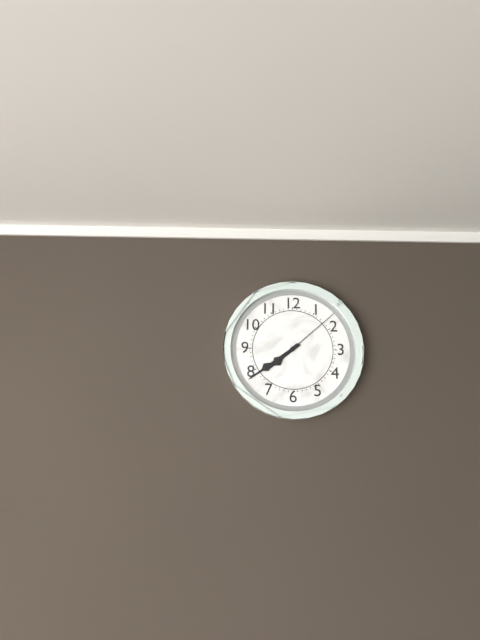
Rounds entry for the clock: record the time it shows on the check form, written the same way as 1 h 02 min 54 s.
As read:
7 h 39 min 08 s
